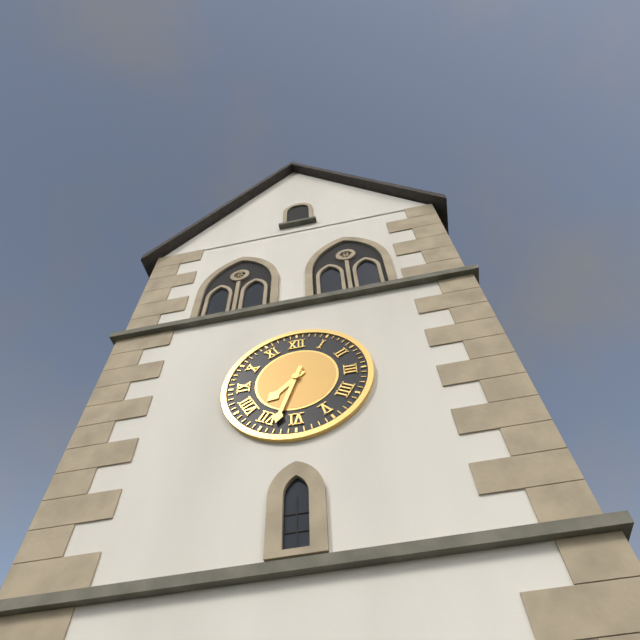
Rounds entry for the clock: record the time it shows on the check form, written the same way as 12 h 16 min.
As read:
7 h 33 min
